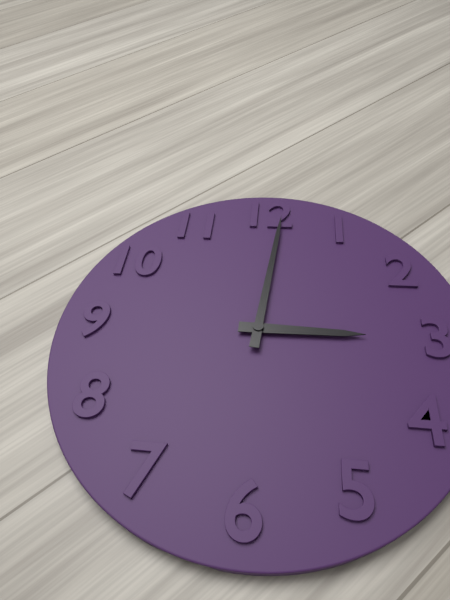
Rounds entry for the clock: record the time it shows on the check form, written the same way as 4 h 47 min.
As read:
3 h 01 min
